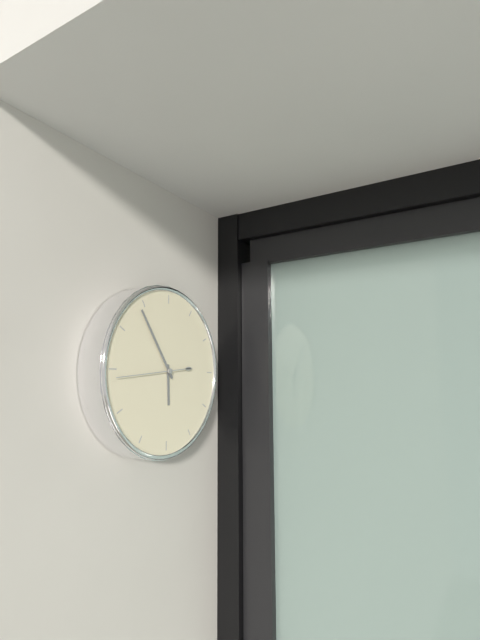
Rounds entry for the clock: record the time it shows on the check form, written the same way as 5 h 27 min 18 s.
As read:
5 h 54 min 44 s
